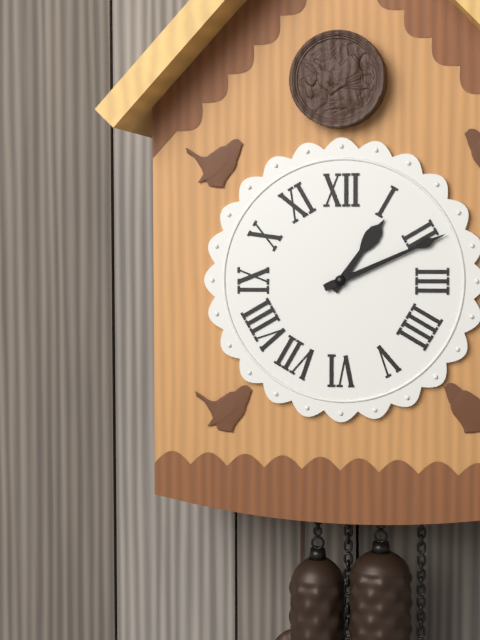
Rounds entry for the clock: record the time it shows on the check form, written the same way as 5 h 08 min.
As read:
1 h 11 min
